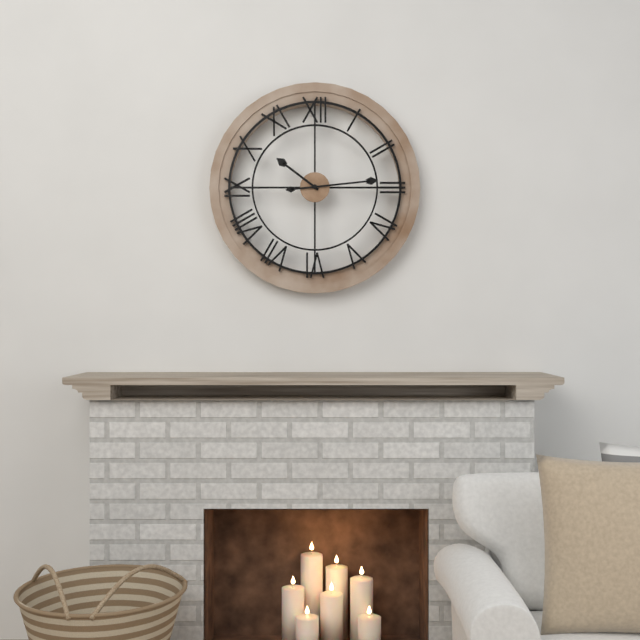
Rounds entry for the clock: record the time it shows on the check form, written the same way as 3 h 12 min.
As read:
10 h 14 min
